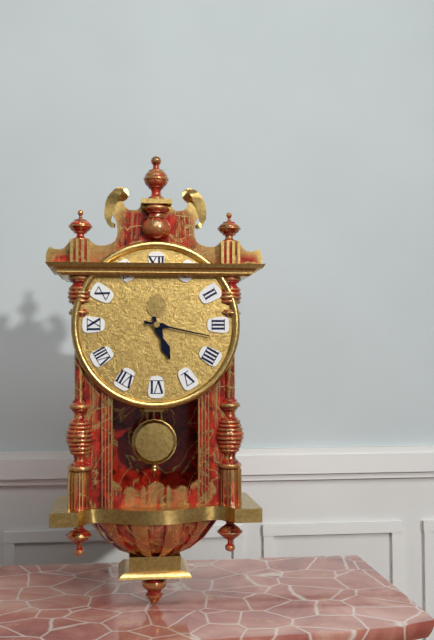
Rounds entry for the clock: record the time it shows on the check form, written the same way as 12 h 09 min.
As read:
5 h 17 min
